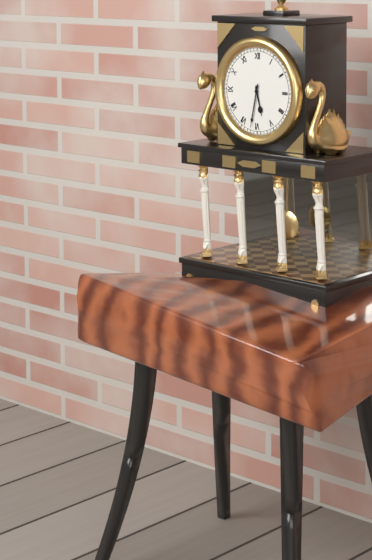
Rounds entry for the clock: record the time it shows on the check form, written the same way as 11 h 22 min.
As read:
5 h 32 min
